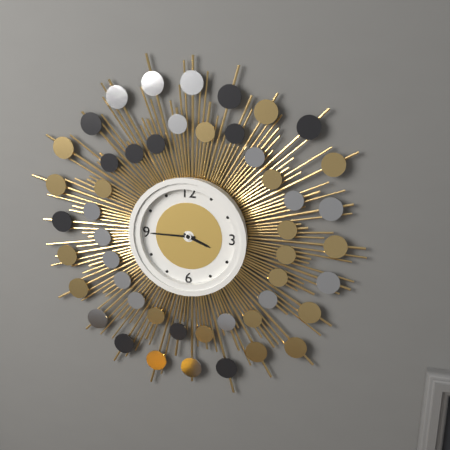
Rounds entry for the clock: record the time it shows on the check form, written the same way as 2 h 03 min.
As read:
3 h 45 min
